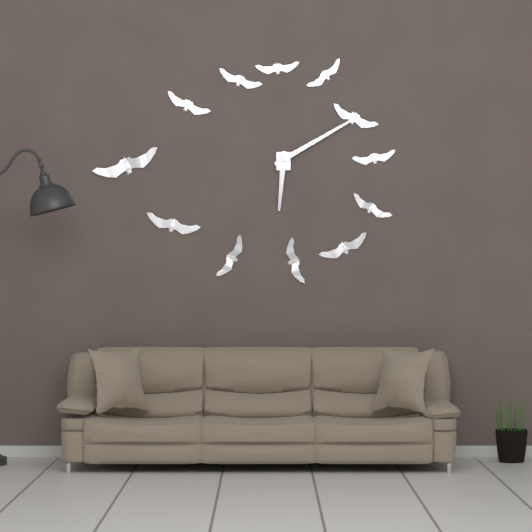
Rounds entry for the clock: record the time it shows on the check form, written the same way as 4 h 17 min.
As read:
6 h 10 min
